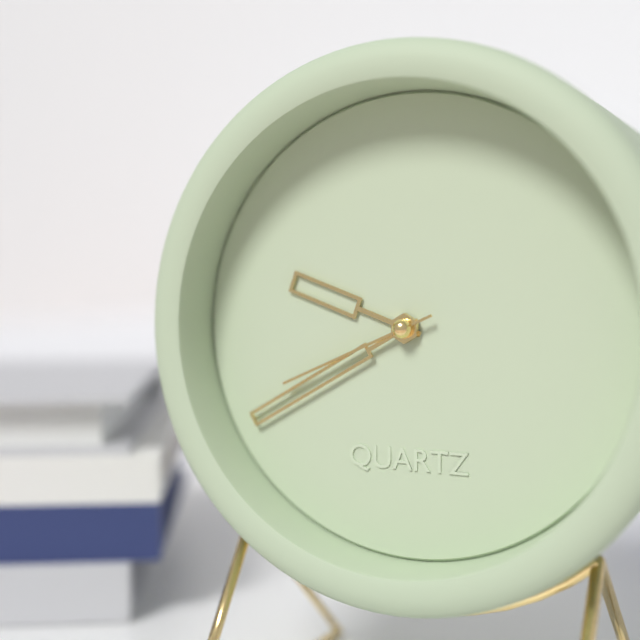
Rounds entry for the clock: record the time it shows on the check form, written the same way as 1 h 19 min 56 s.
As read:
9 h 40 min 41 s
